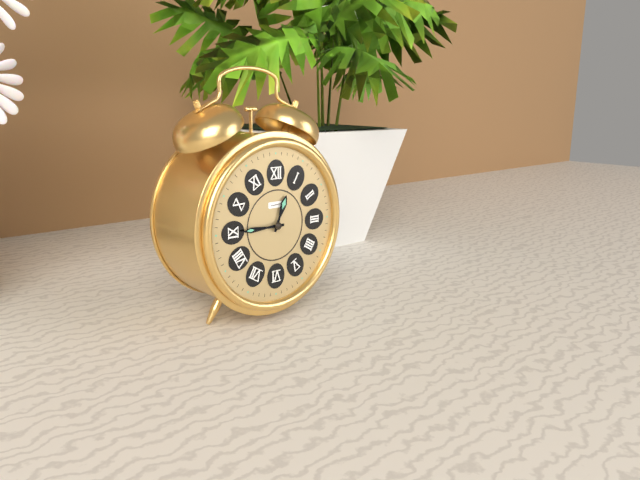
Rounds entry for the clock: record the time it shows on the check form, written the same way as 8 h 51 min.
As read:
12 h 45 min
